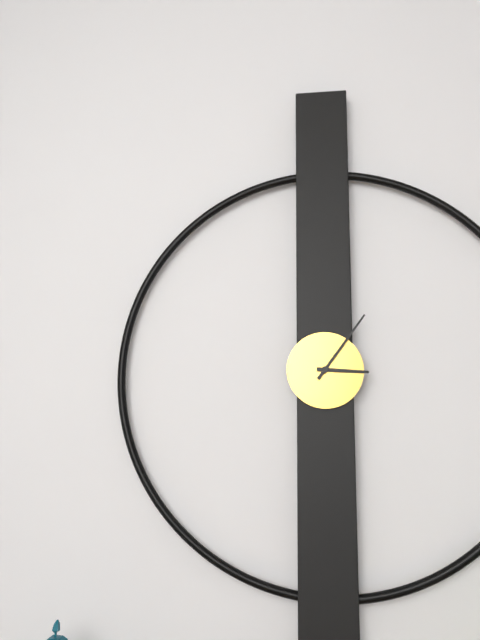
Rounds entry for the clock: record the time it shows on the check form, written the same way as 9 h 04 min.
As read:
3 h 06 min
